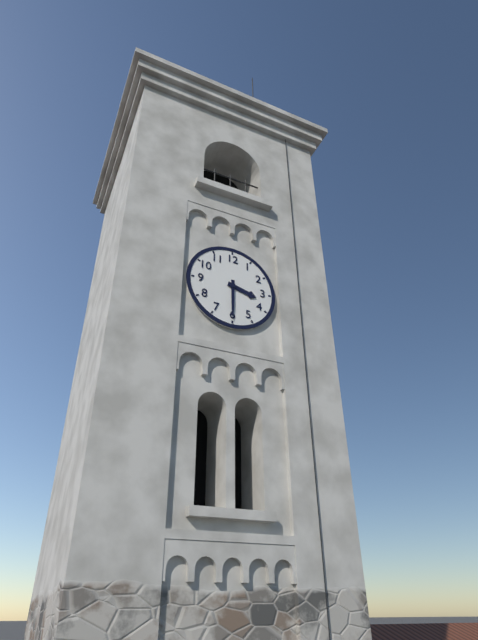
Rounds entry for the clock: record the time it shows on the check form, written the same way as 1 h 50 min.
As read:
3 h 30 min
